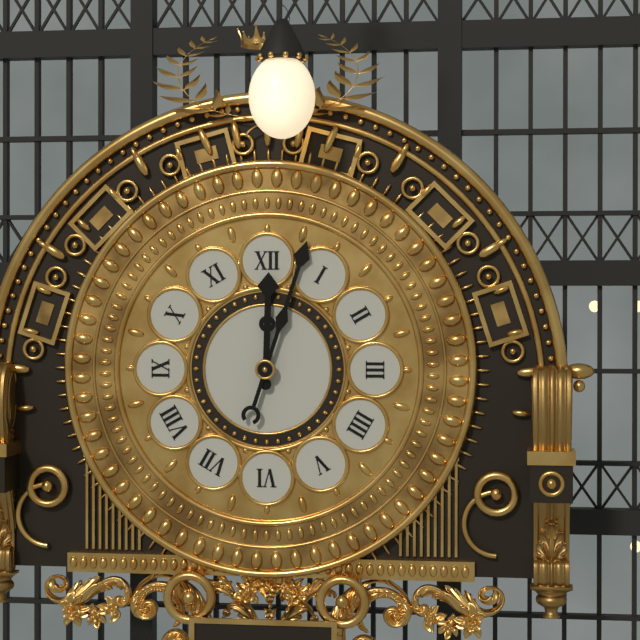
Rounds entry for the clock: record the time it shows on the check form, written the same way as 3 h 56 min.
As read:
12 h 03 min
